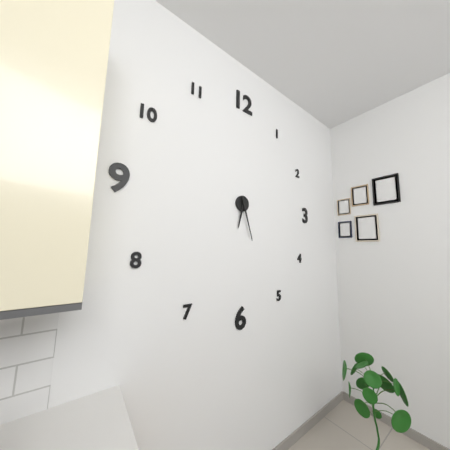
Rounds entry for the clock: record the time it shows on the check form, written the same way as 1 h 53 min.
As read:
6 h 27 min
